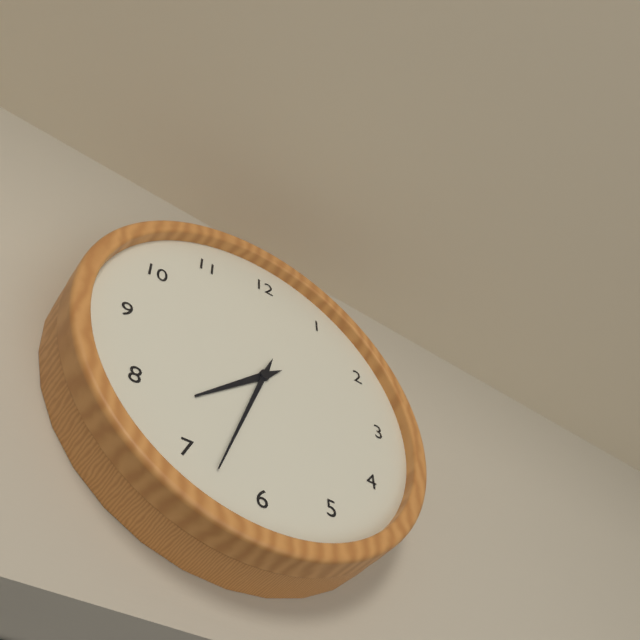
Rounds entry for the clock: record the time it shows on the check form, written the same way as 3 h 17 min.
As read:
7 h 33 min
